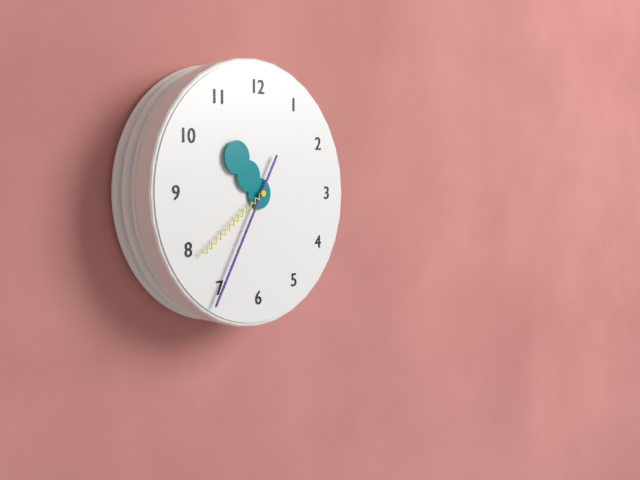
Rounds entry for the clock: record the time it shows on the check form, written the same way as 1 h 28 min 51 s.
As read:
10 h 35 min 39 s
